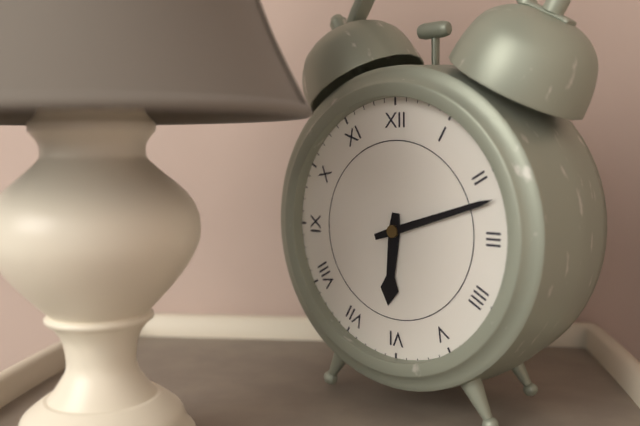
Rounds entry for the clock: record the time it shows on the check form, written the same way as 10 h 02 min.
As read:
6 h 12 min
